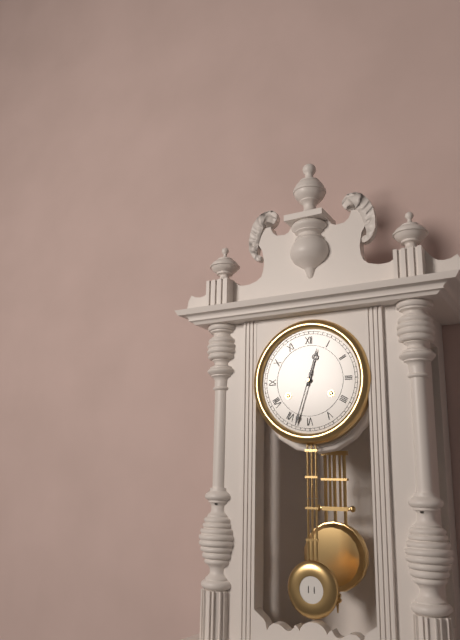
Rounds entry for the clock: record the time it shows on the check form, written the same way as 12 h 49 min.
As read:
12 h 33 min
